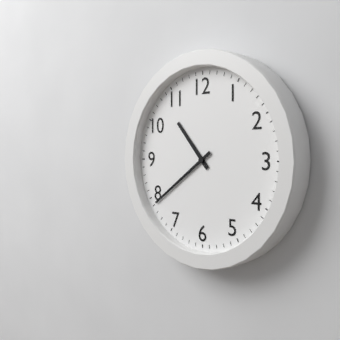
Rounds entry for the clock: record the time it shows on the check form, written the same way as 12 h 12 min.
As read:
10 h 39 min
